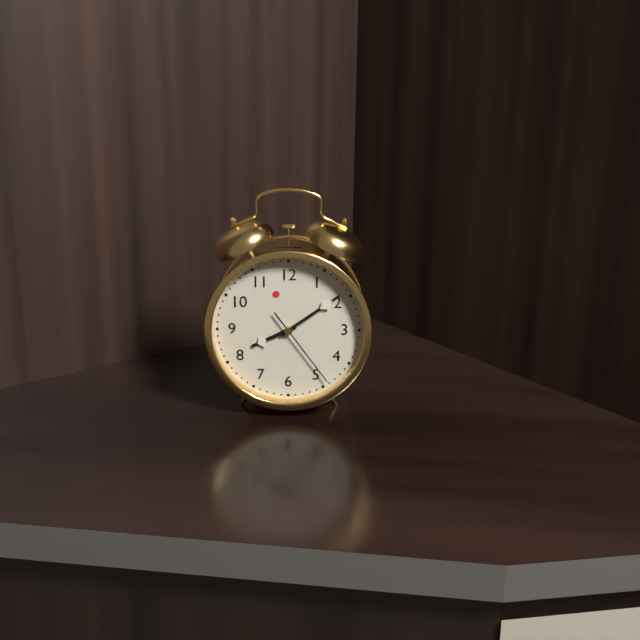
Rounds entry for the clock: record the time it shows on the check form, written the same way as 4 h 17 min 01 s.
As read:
8 h 09 min 24 s
